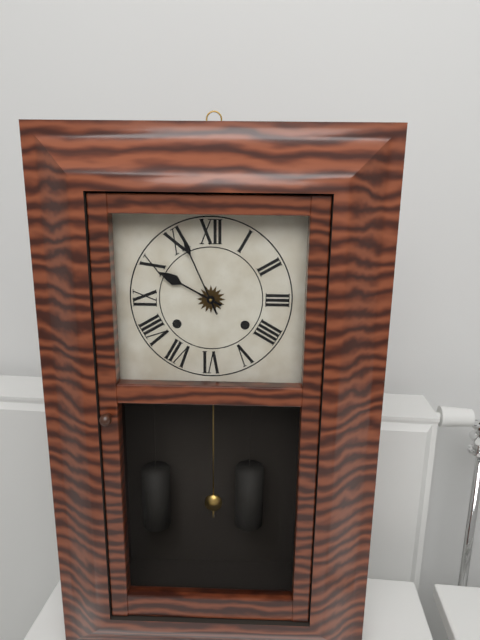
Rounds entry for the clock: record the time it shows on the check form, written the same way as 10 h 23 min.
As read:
9 h 56 min
